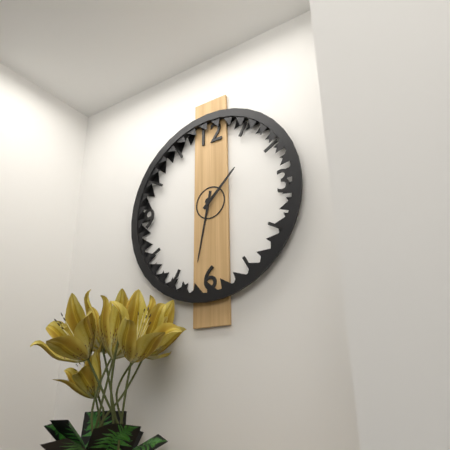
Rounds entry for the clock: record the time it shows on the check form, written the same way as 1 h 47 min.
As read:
1 h 32 min
